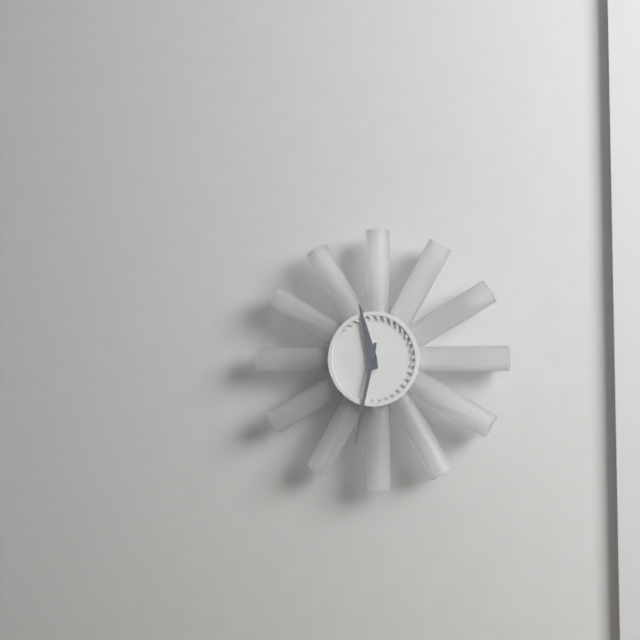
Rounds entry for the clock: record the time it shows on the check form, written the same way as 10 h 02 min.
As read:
11 h 32 min
